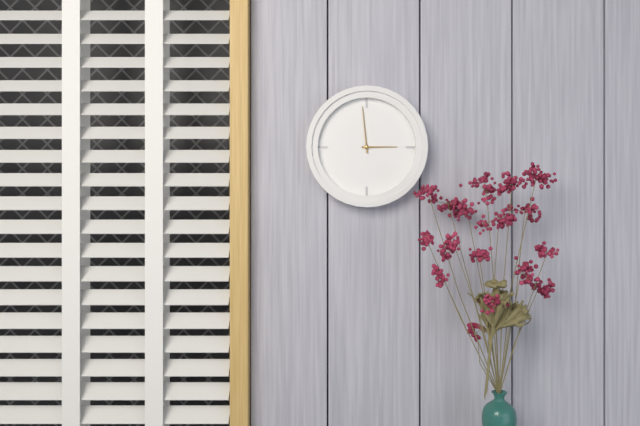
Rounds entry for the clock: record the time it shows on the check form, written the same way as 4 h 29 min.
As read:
2 h 59 min
